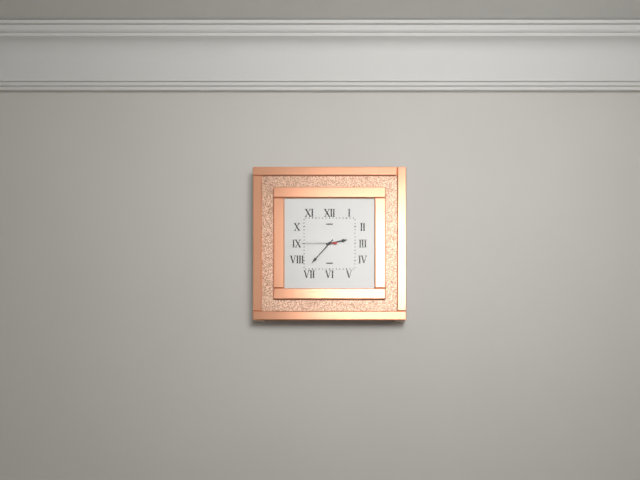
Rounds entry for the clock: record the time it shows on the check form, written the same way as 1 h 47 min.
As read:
2 h 37 min
